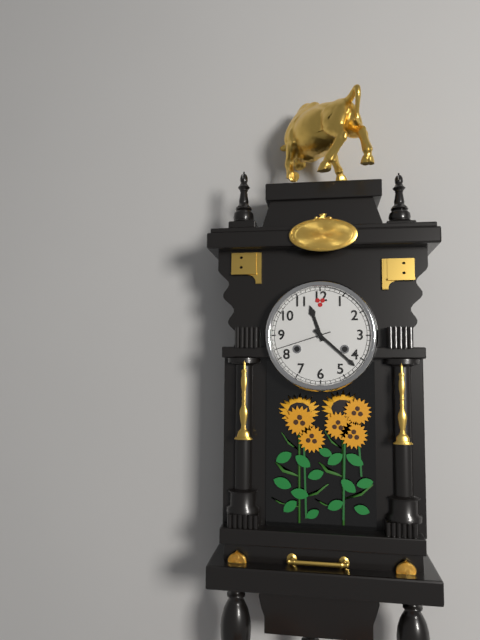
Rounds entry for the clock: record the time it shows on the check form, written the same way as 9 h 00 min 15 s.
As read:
11 h 22 min 42 s
